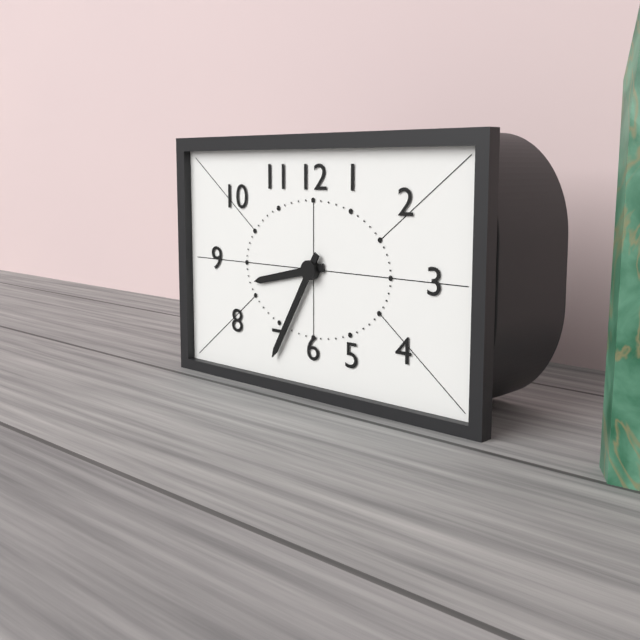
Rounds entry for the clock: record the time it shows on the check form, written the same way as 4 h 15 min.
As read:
8 h 35 min
